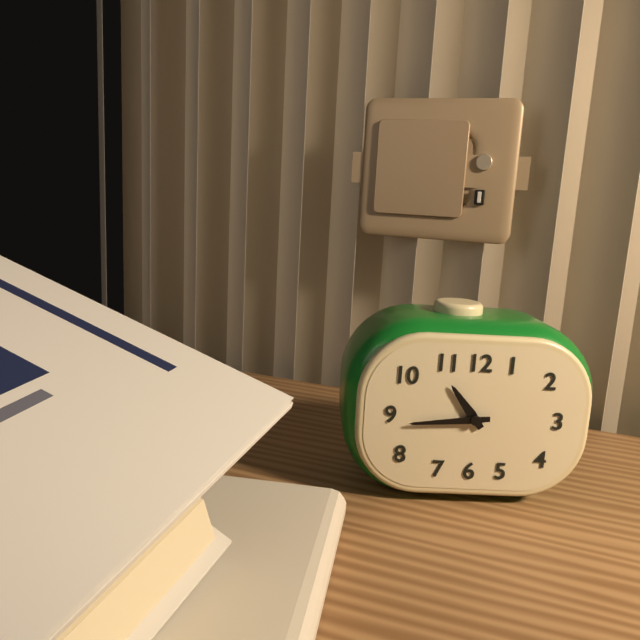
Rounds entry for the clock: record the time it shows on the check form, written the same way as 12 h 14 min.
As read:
10 h 44 min
